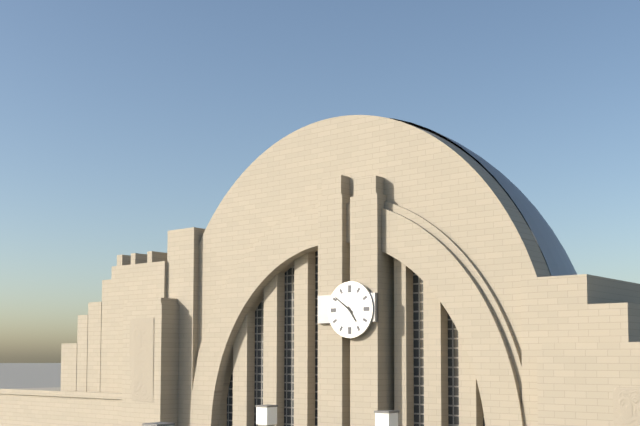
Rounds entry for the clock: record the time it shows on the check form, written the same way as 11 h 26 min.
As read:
4 h 51 min
